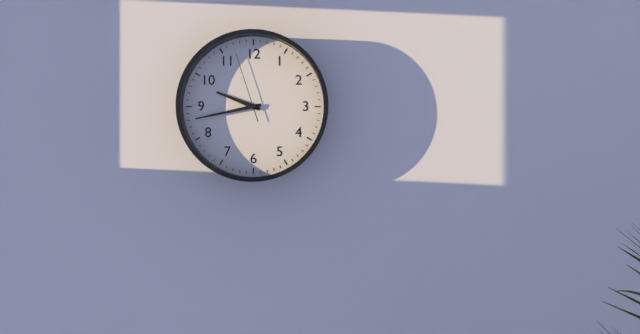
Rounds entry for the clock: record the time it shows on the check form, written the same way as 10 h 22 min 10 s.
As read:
9 h 43 min 57 s
